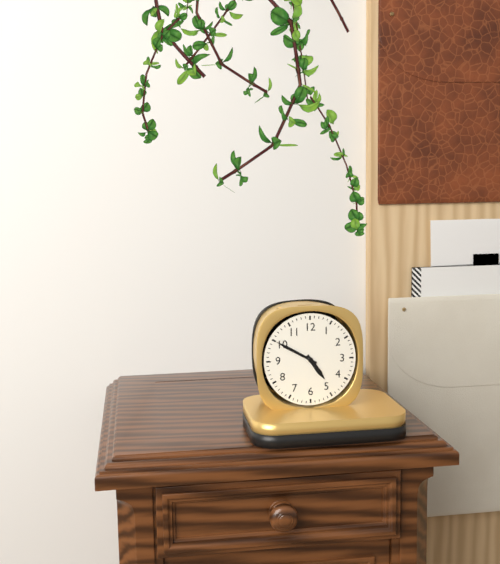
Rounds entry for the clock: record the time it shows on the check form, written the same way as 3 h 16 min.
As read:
4 h 50 min
